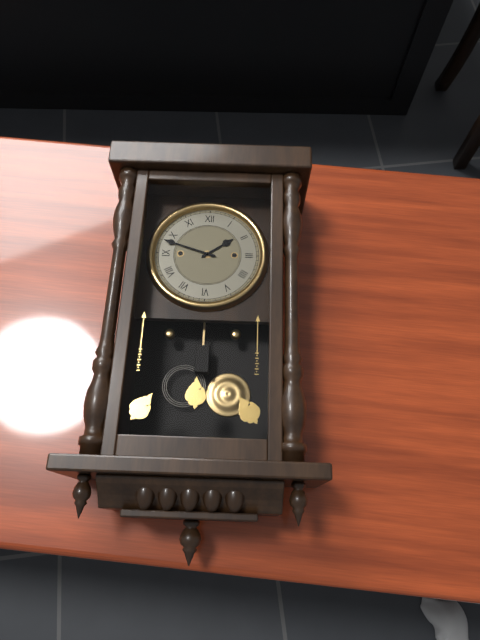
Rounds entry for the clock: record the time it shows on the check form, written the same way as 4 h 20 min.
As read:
1 h 48 min
